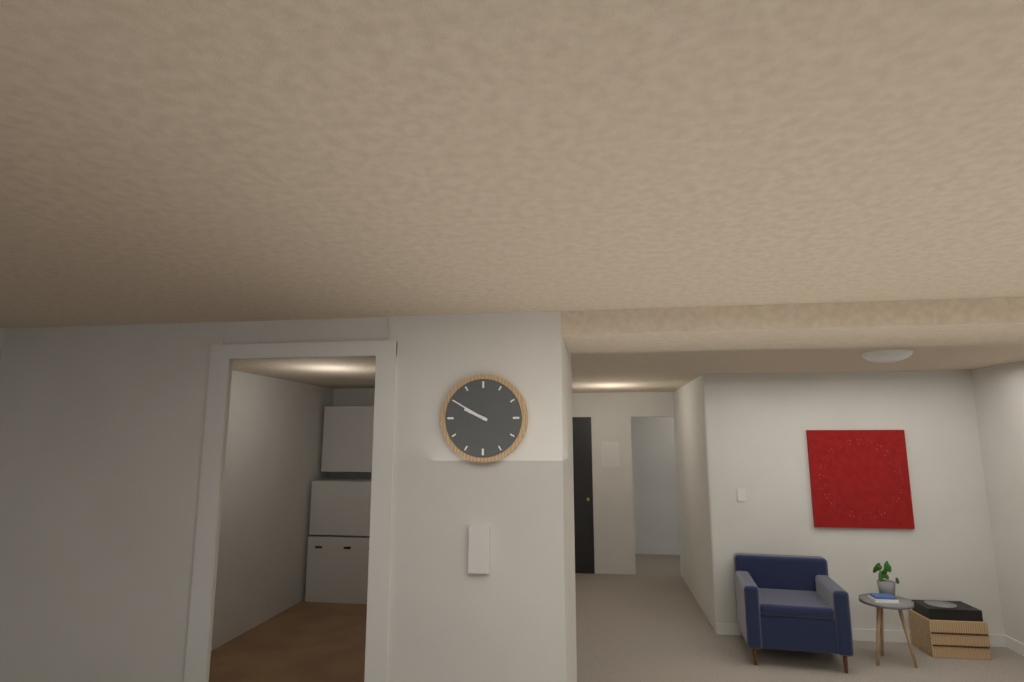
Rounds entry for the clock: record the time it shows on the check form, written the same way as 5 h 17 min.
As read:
9 h 50 min
